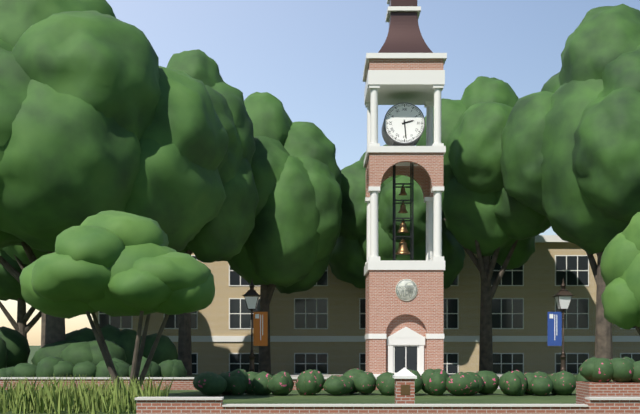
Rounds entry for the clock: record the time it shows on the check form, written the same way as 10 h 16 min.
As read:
2 h 29 min
